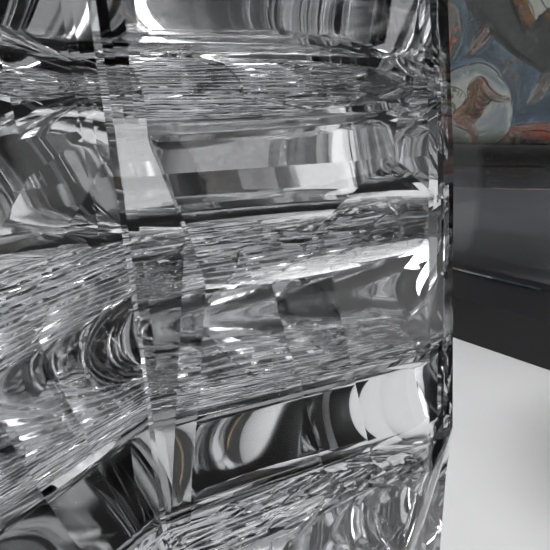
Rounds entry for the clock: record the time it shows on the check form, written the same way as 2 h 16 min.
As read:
1 h 46 min
